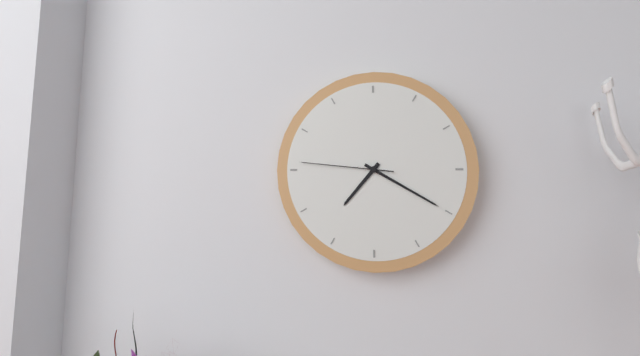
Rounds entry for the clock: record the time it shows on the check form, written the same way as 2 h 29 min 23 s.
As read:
7 h 20 min 46 s
